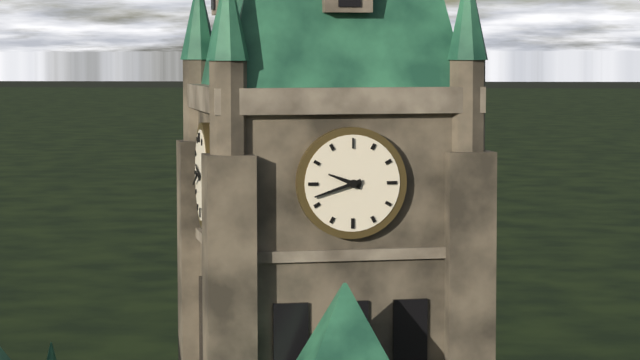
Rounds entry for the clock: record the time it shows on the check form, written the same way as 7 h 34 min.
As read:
9 h 42 min
